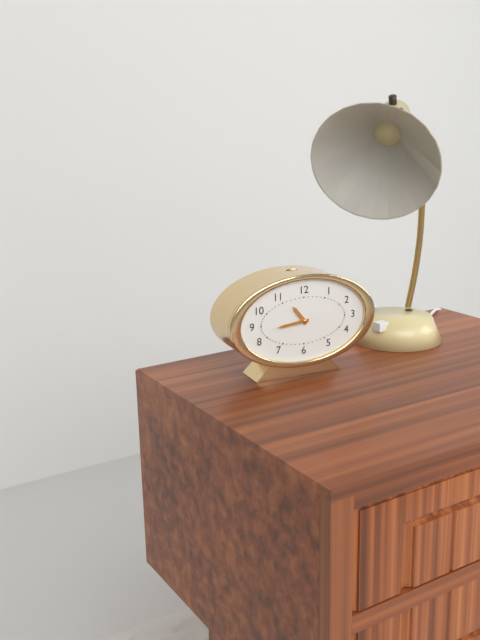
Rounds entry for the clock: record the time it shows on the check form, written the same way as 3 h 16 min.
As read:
10 h 44 min
